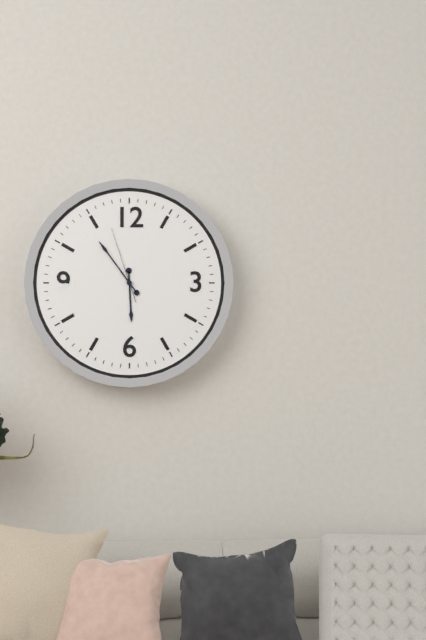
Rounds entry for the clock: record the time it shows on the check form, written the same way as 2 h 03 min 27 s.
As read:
5 h 54 min 57 s
